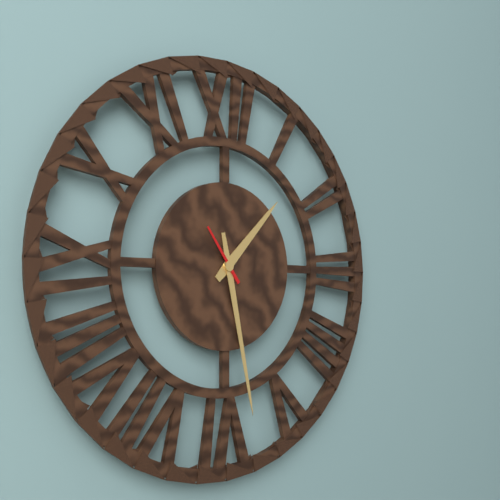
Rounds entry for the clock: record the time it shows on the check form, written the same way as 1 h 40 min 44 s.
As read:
1 h 28 min 54 s
